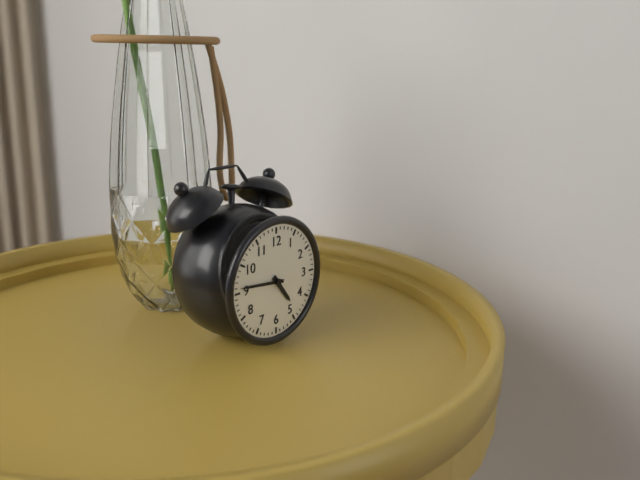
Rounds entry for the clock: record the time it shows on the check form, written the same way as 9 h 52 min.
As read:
4 h 46 min
